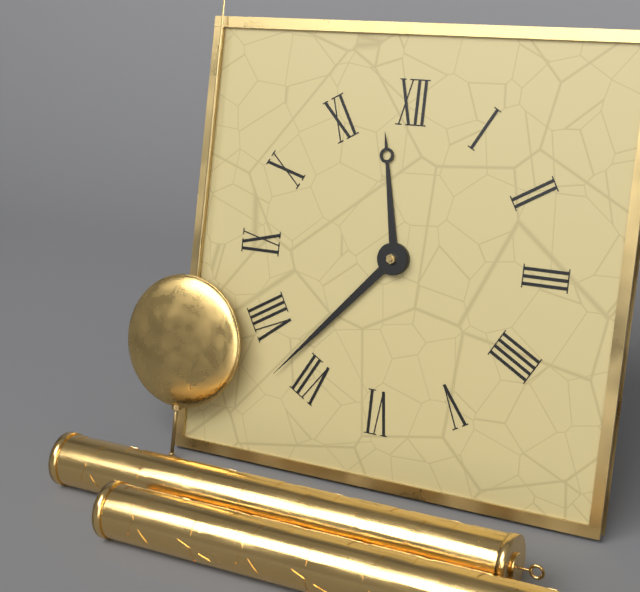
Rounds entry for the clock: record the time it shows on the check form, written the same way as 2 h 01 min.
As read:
11 h 37 min
